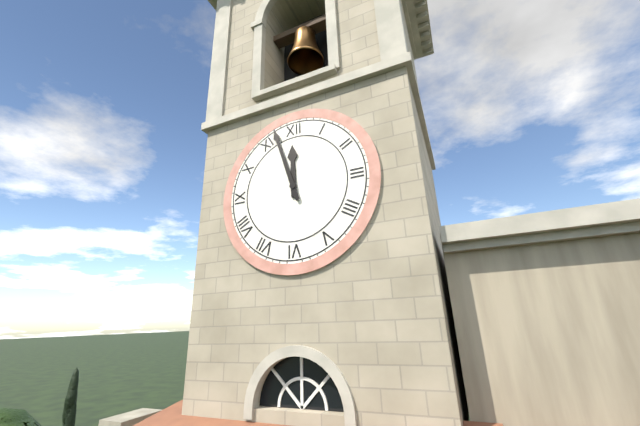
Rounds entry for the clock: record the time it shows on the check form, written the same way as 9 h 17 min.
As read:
11 h 57 min
